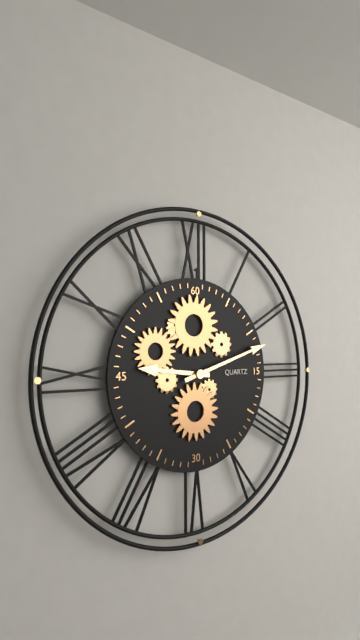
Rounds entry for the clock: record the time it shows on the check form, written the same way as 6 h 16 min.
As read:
9 h 12 min
